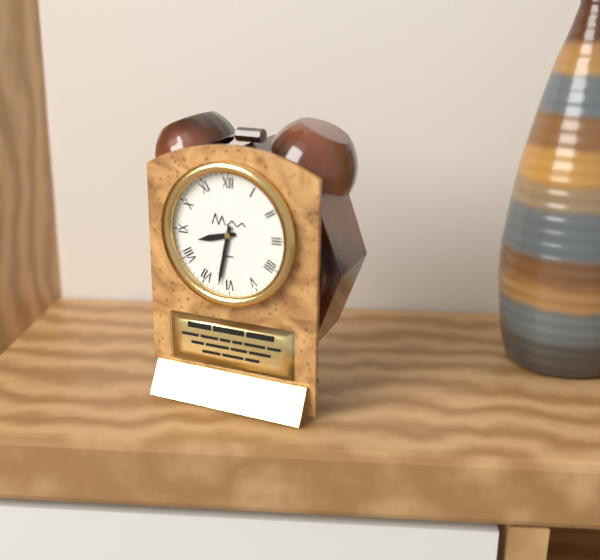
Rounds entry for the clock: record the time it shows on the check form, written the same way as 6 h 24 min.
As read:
8 h 32 min
